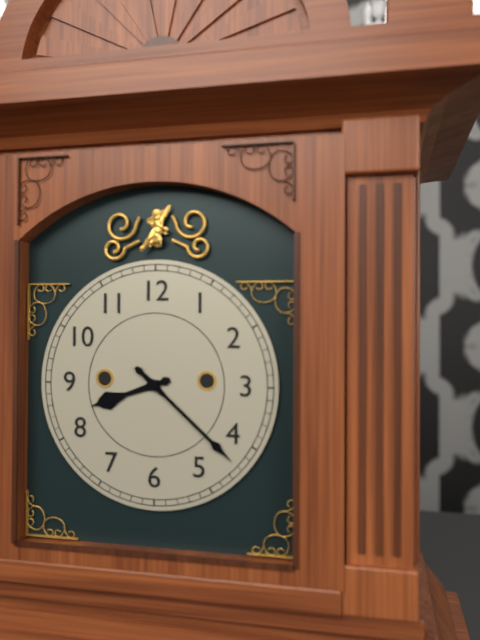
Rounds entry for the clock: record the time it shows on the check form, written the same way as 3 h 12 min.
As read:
8 h 22 min
